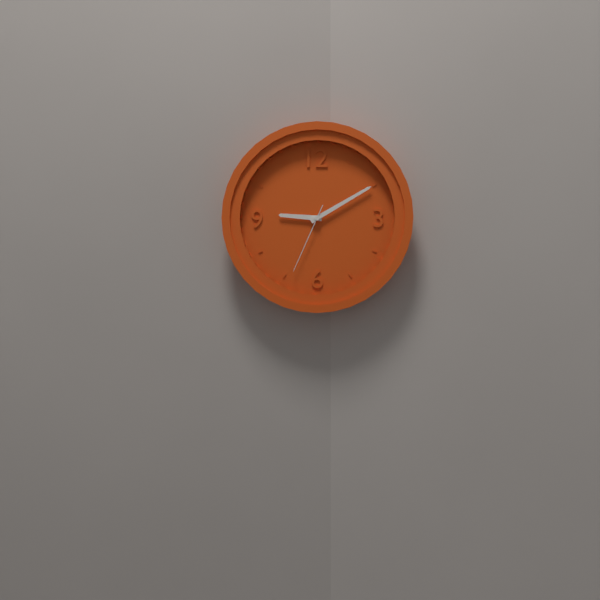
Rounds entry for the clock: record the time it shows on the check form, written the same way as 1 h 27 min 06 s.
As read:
9 h 10 min 34 s
